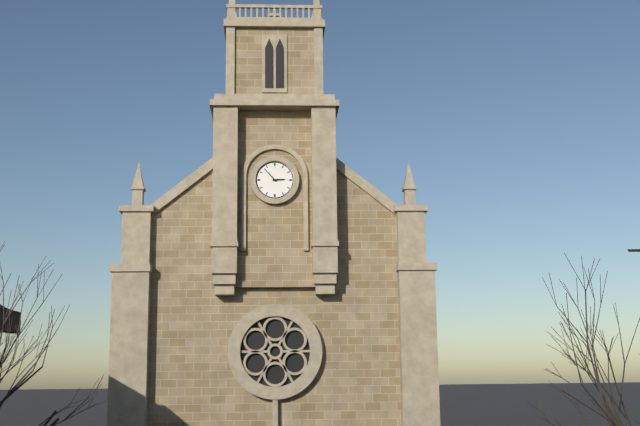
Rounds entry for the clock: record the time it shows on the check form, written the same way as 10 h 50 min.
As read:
2 h 53 min
